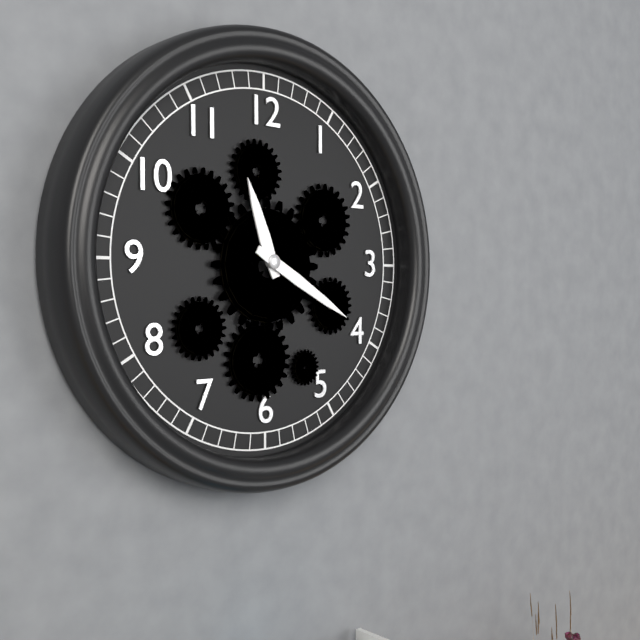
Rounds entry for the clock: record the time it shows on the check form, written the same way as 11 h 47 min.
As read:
11 h 20 min
